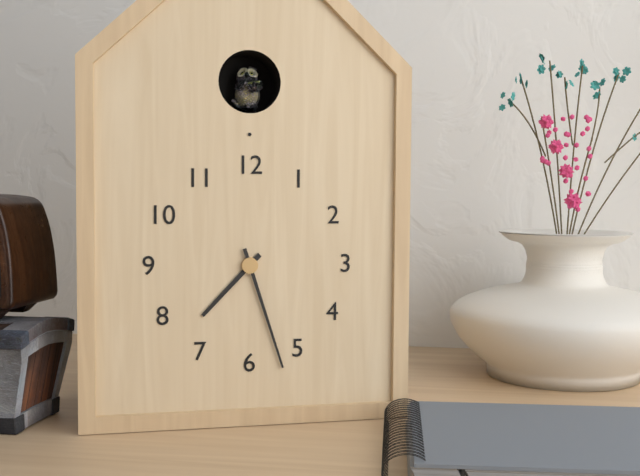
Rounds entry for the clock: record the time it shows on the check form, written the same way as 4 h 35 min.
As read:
7 h 27 min
